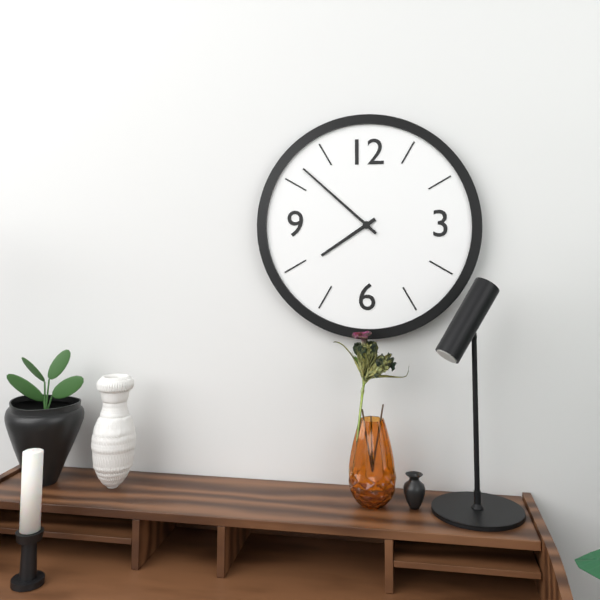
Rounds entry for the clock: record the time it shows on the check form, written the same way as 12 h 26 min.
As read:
7 h 52 min
